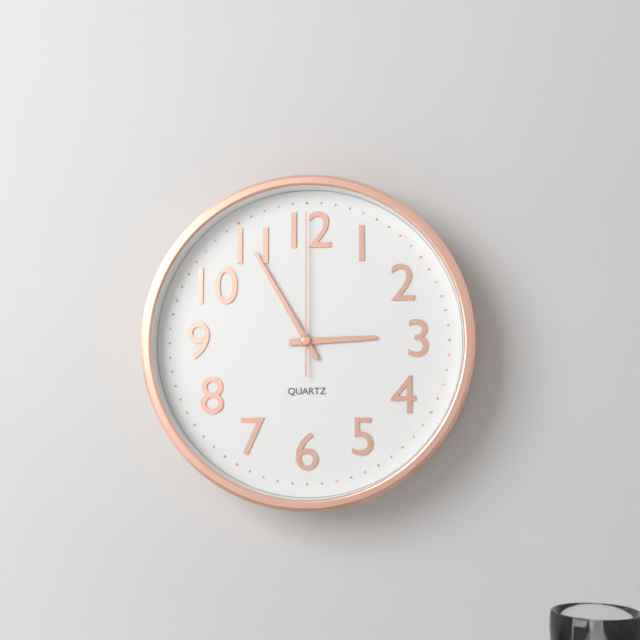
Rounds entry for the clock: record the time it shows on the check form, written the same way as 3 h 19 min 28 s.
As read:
2 h 55 min 00 s
